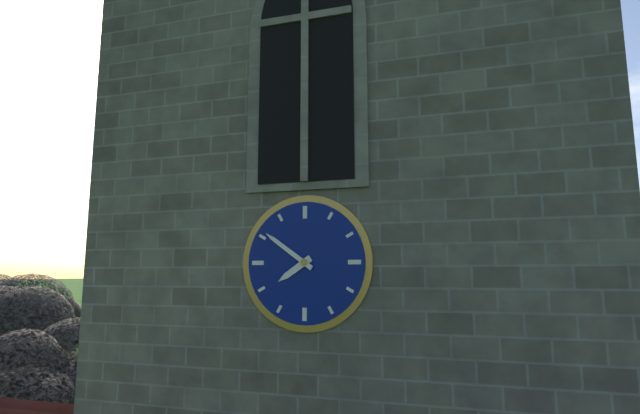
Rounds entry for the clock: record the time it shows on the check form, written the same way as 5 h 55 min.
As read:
7 h 51 min
